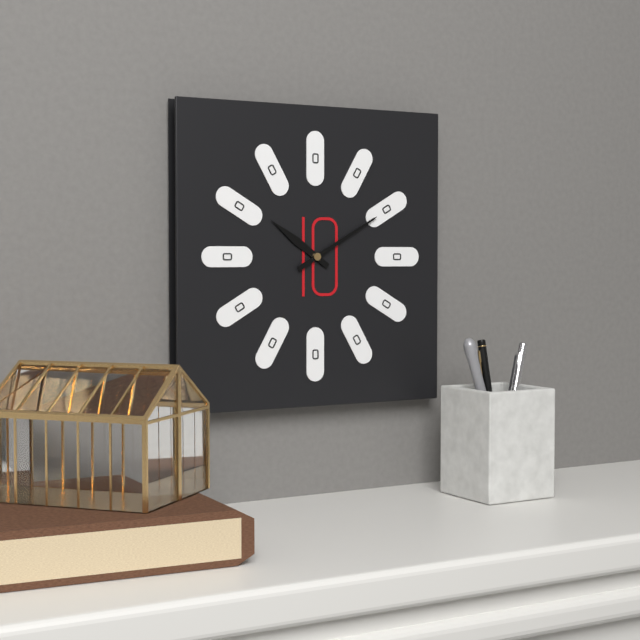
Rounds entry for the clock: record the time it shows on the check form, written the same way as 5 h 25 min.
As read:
10 h 10 min
